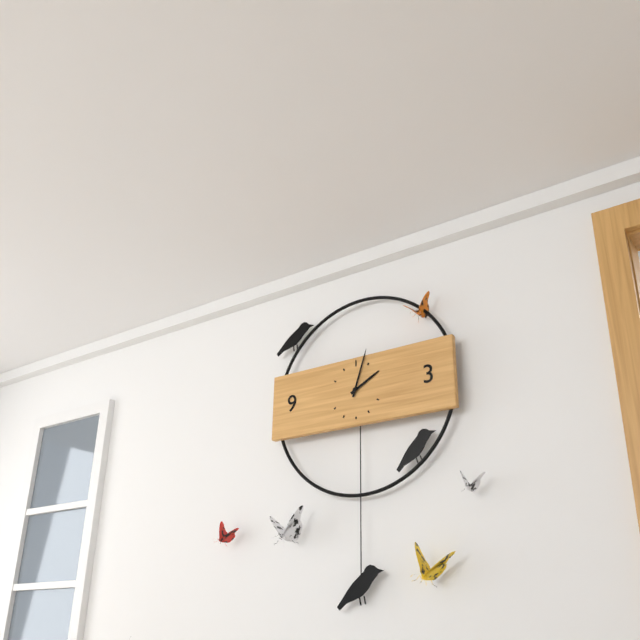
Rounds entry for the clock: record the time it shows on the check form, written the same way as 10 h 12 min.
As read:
2 h 03 min
